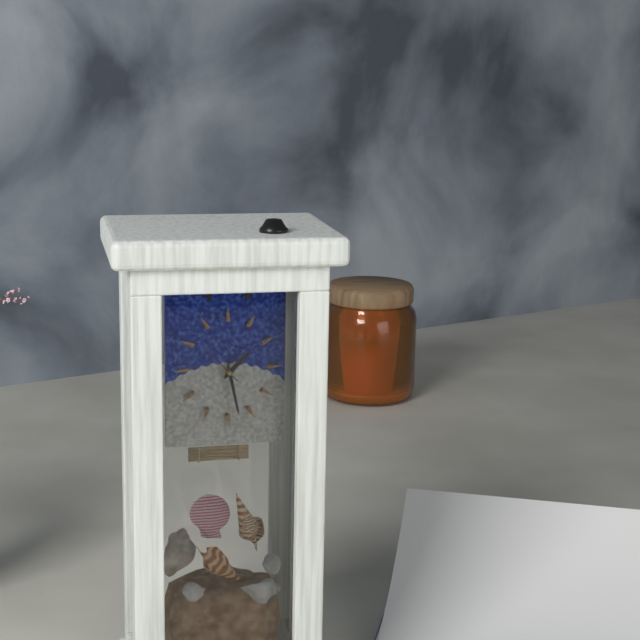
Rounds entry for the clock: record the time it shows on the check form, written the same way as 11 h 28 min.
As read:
1 h 28 min
